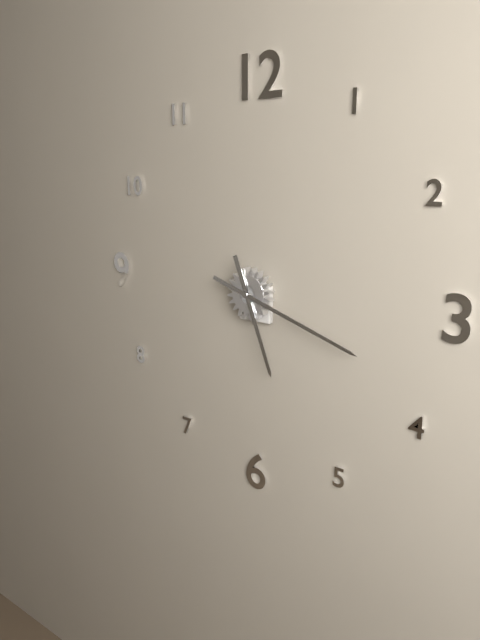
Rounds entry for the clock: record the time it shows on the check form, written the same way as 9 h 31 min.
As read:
5 h 18 min
